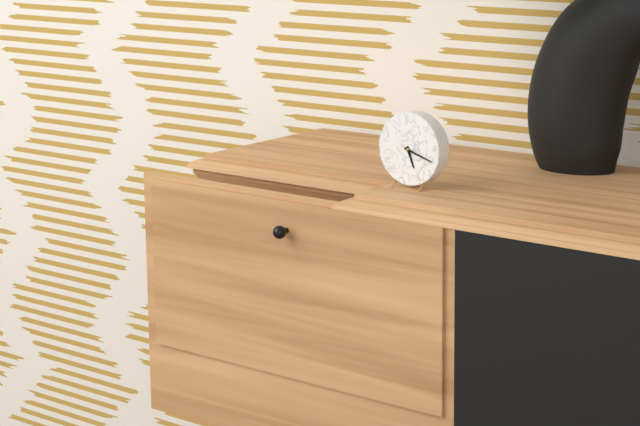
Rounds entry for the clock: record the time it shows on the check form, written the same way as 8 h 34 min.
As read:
5 h 18 min
